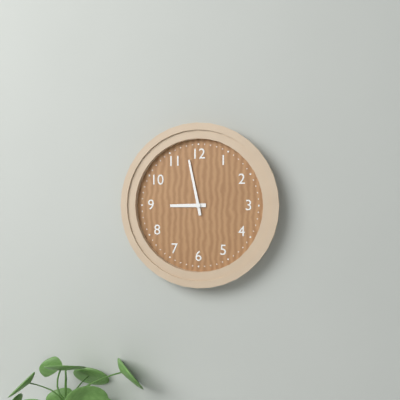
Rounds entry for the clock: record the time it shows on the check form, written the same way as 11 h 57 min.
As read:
8 h 58 min
